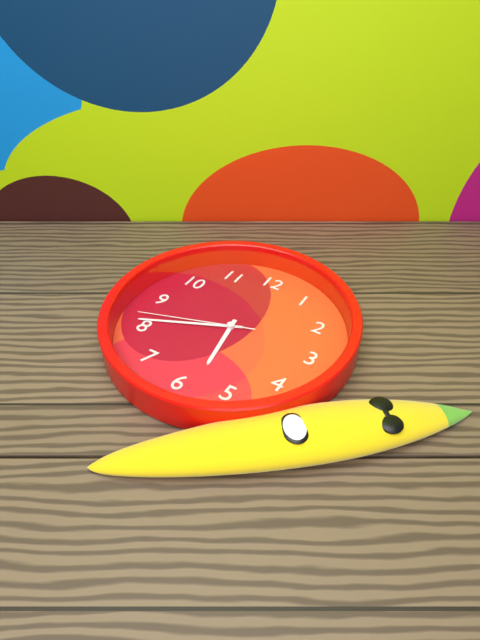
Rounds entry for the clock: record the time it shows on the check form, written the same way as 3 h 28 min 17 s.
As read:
5 h 41 min 42 s
